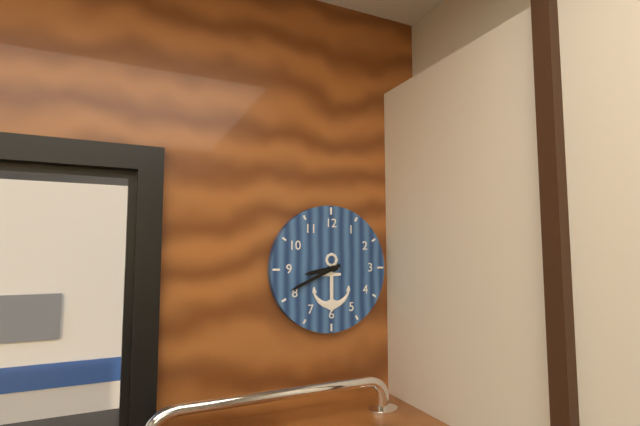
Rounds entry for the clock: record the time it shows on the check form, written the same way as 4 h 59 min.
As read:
8 h 41 min
